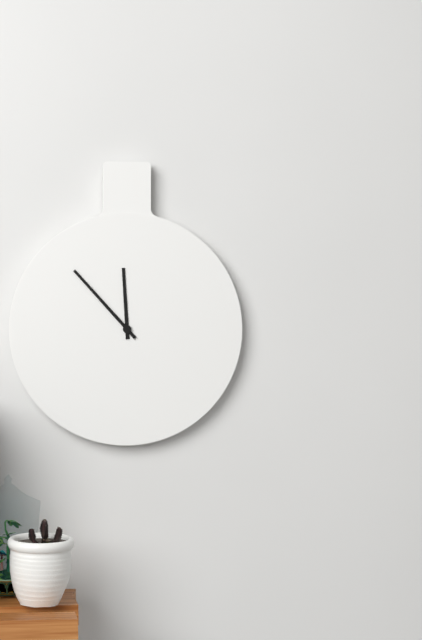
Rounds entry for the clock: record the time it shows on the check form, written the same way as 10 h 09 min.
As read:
11 h 53 min
